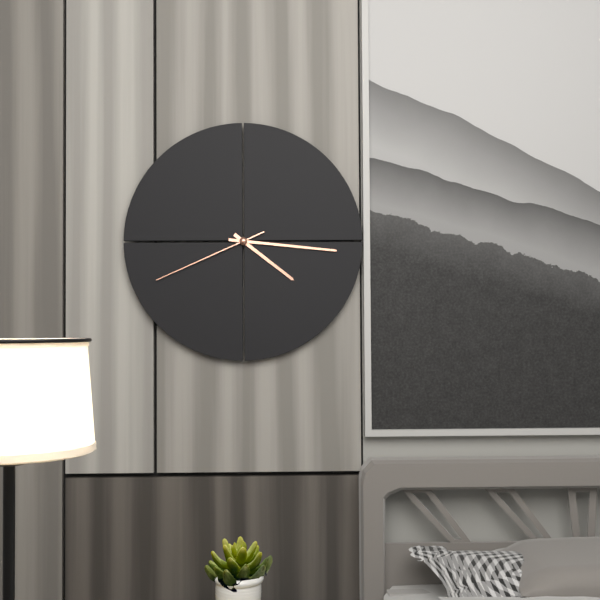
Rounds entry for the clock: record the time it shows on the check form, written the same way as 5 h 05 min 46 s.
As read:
4 h 16 min 41 s
